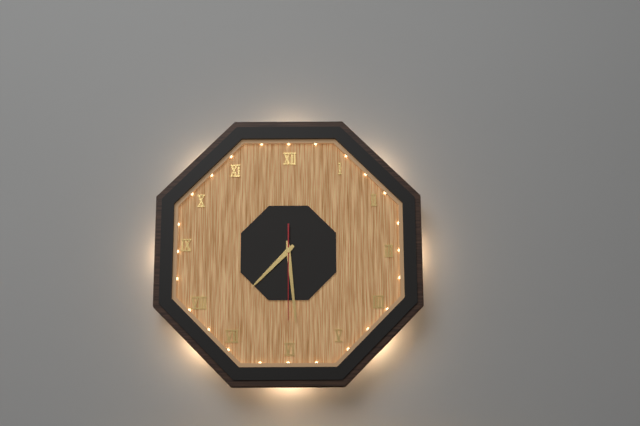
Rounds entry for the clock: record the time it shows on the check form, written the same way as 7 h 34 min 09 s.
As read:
7 h 29 min 30 s
